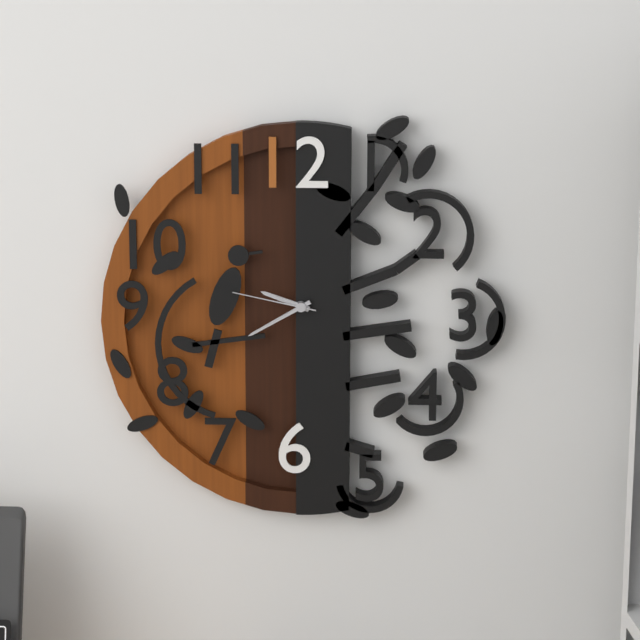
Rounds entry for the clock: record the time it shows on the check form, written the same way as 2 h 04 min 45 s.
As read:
9 h 40 min 47 s
